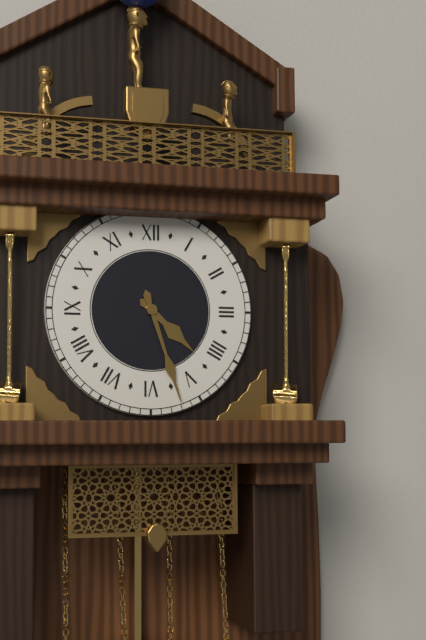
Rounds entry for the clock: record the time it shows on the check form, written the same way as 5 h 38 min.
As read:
4 h 27 min
